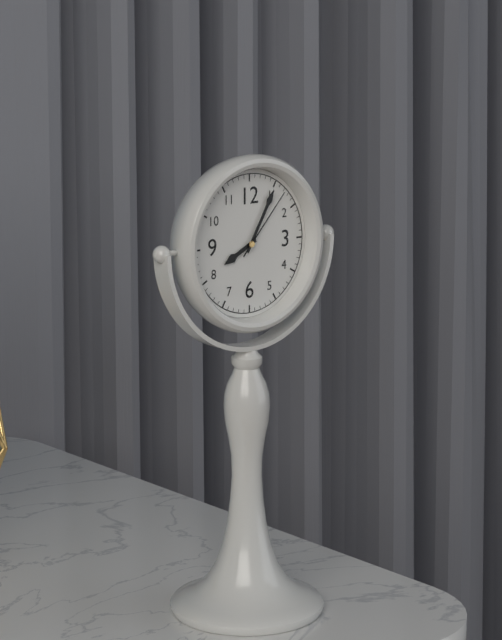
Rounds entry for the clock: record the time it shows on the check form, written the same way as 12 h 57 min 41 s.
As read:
8 h 05 min 07 s
